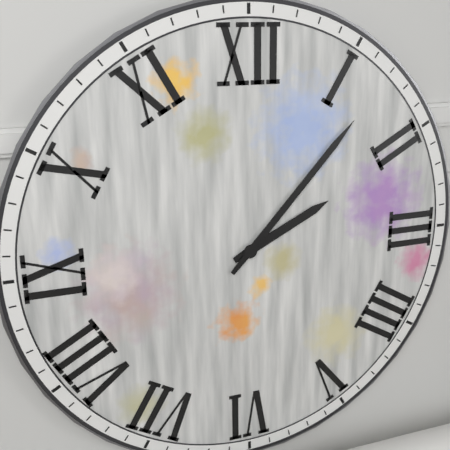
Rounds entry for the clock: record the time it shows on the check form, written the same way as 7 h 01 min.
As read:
2 h 07 min
